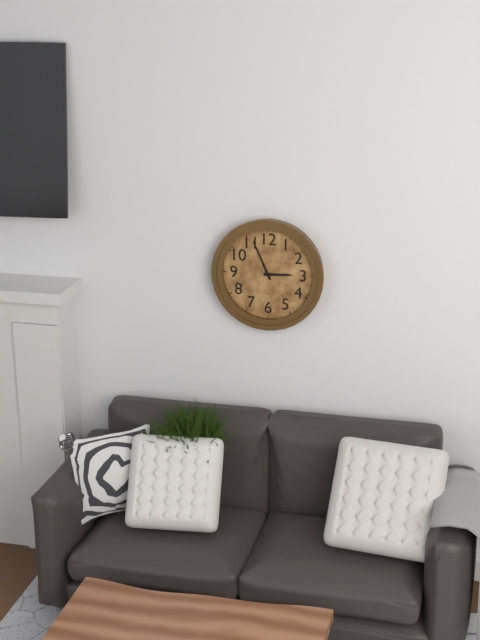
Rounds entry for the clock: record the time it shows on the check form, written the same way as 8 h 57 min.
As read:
2 h 56 min
